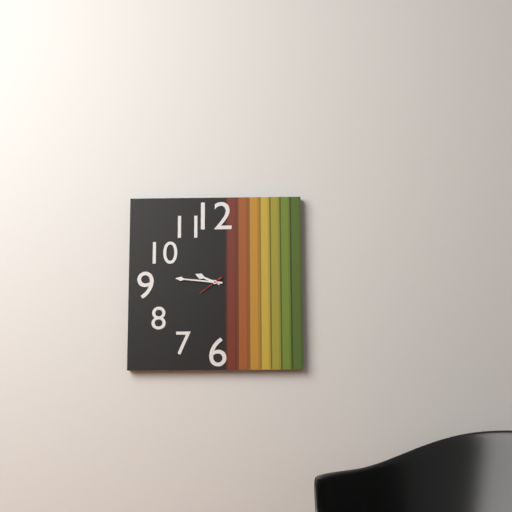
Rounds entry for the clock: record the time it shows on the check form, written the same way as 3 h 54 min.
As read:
9 h 46 min
